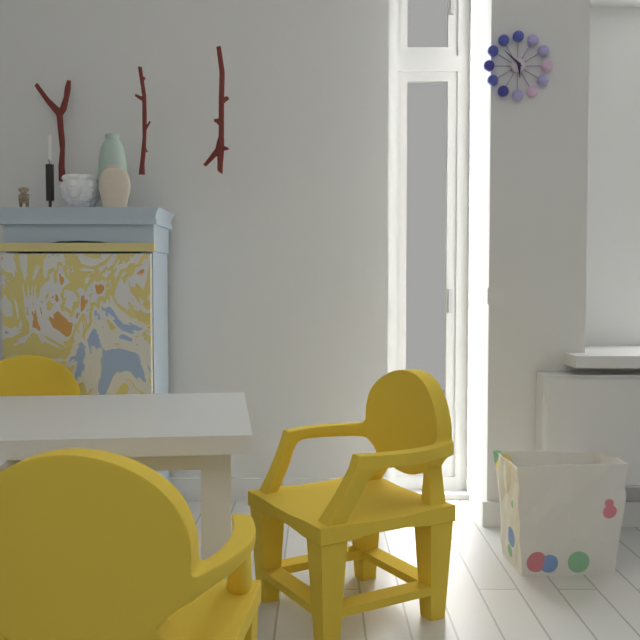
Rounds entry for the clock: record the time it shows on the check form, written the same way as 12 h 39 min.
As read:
5 h 52 min
